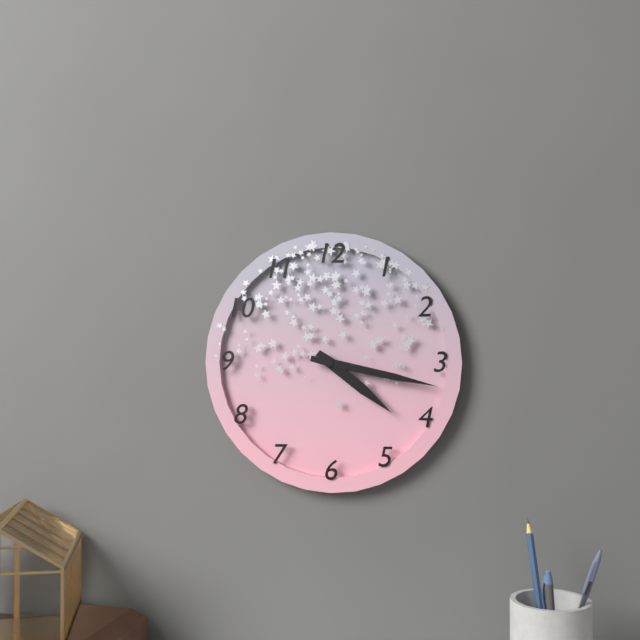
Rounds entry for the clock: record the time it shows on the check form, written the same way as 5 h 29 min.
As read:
4 h 17 min
